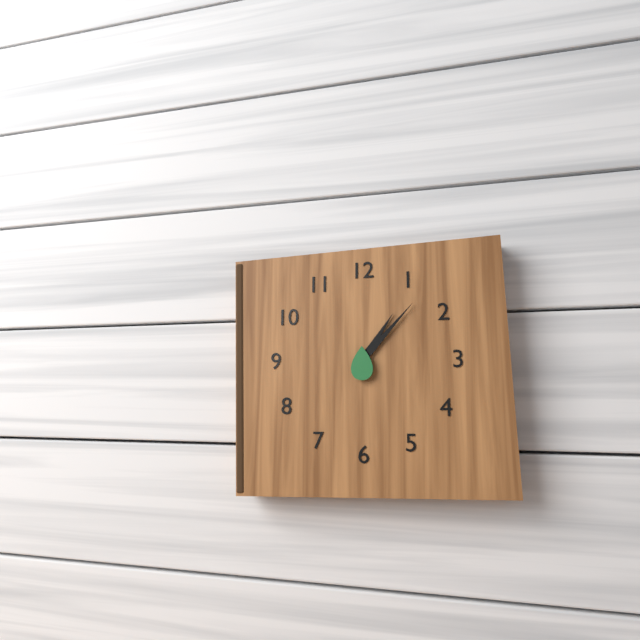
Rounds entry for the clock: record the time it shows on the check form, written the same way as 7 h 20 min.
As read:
1 h 07 min
